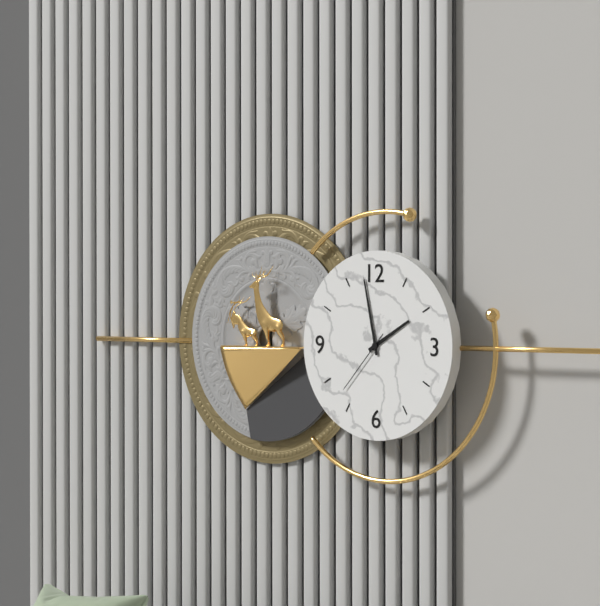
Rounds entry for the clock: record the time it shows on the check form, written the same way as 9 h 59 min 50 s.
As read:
1 h 58 min 37 s
